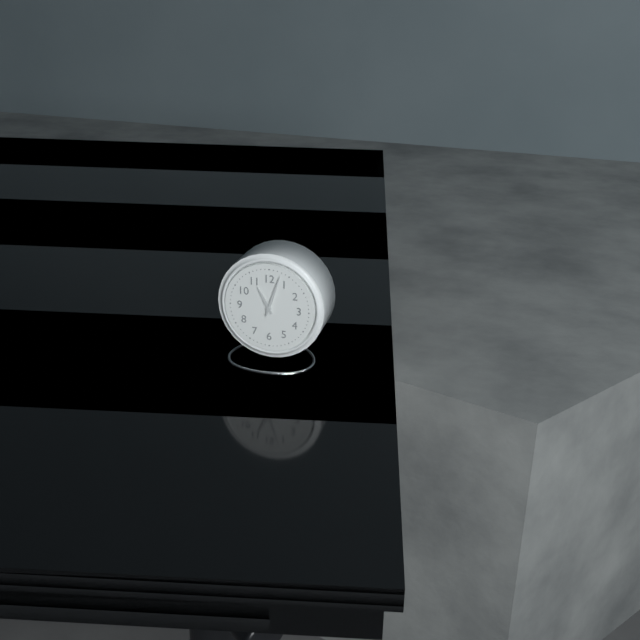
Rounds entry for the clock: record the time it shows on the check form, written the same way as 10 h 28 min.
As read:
11 h 03 min
